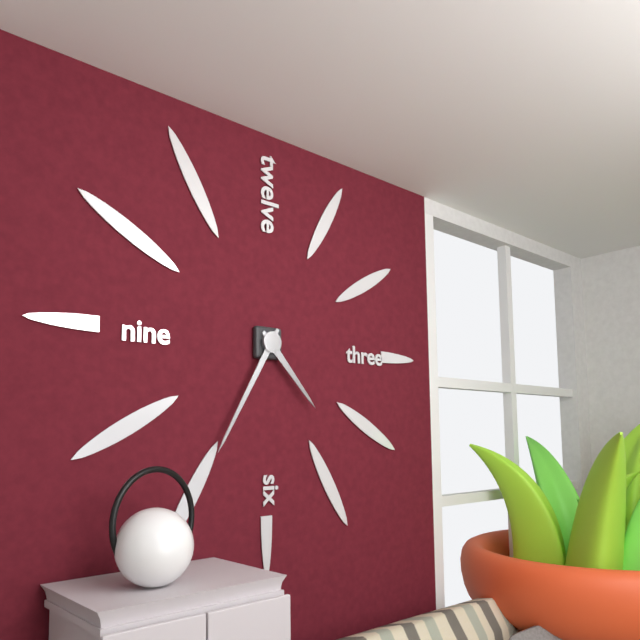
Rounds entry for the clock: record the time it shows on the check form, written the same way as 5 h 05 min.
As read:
4 h 35 min
